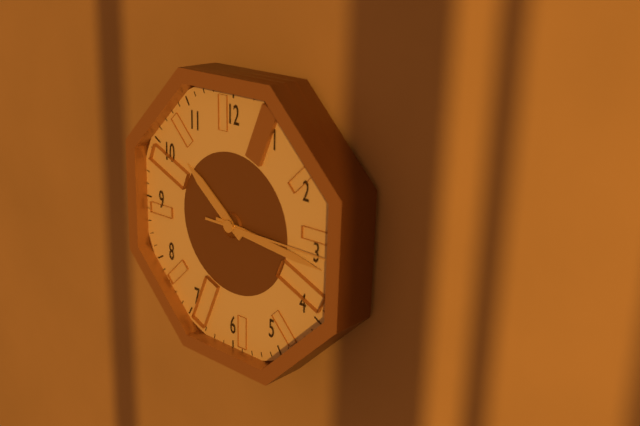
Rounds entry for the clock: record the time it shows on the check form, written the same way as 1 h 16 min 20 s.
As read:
10 h 16 min 15 s
